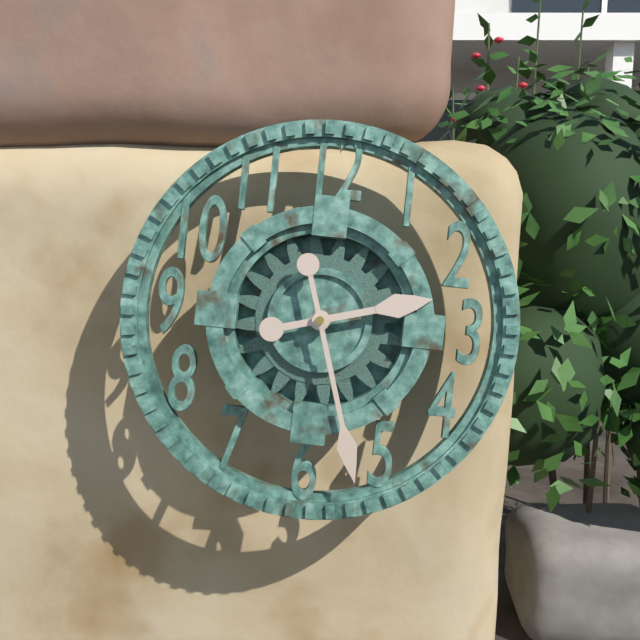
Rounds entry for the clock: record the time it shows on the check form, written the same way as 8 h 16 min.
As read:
2 h 27 min
